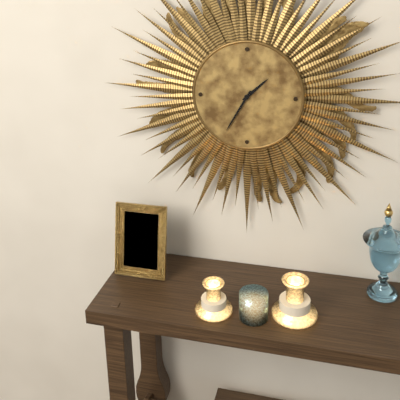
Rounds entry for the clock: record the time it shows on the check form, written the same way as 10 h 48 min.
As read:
1 h 35 min
